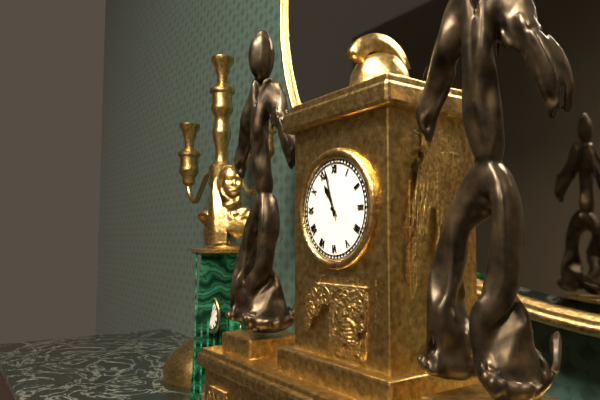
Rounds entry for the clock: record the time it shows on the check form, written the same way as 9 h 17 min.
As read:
10 h 57 min
